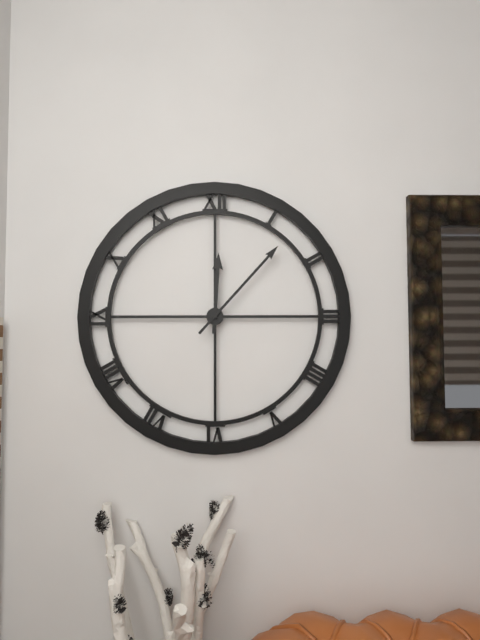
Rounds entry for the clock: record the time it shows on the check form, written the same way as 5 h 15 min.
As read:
12 h 07 min
